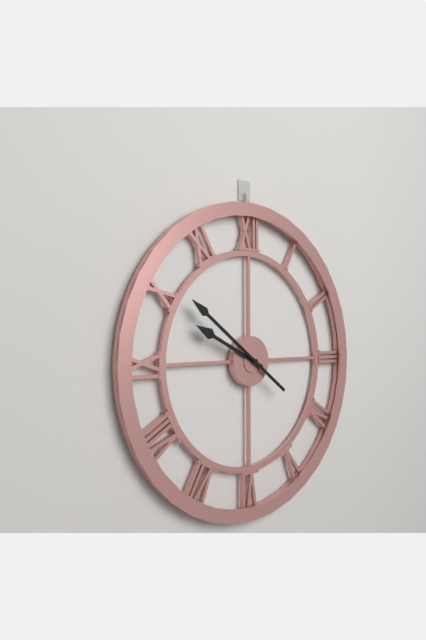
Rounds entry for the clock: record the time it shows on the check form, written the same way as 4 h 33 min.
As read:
9 h 51 min
